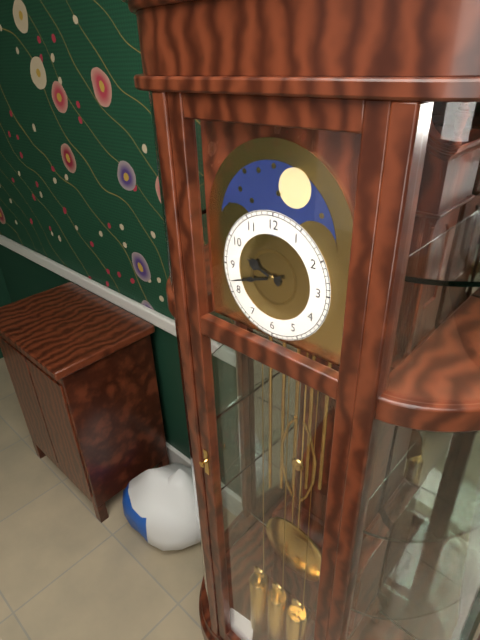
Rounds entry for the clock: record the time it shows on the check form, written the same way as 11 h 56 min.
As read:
9 h 42 min
